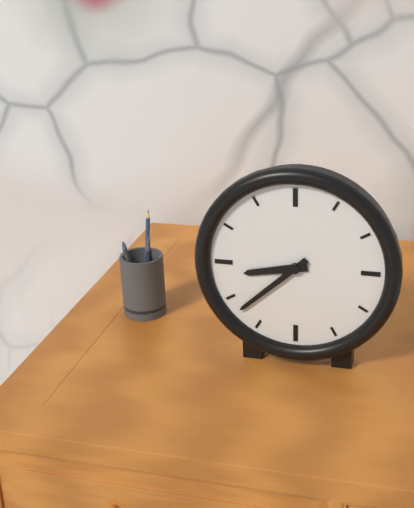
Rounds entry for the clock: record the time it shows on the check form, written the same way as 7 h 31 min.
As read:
8 h 38 min
